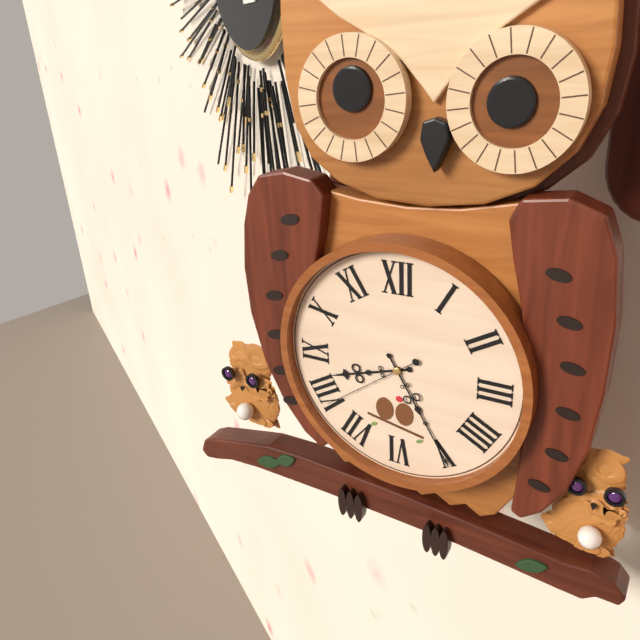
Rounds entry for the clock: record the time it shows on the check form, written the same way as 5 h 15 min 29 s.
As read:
8 h 25 min 39 s
